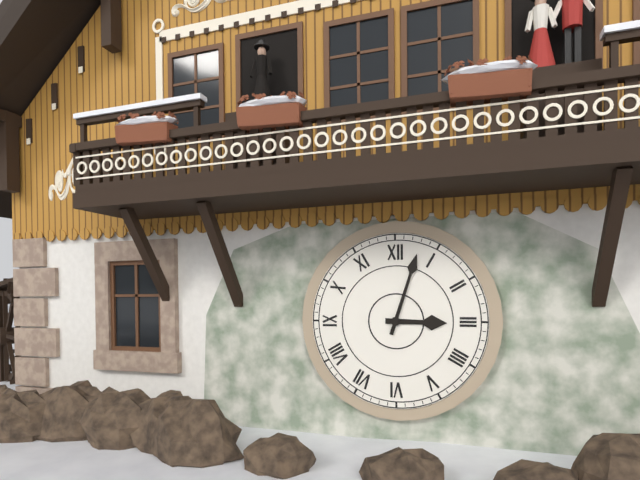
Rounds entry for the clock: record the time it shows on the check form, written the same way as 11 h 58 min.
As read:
3 h 03 min
